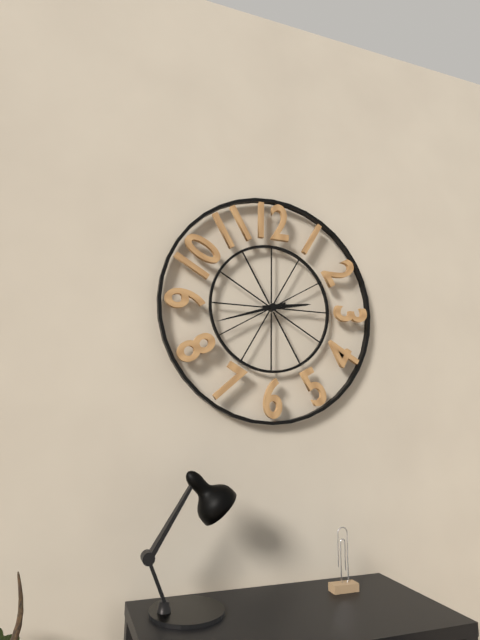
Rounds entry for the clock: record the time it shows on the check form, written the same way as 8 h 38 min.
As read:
2 h 42 min
